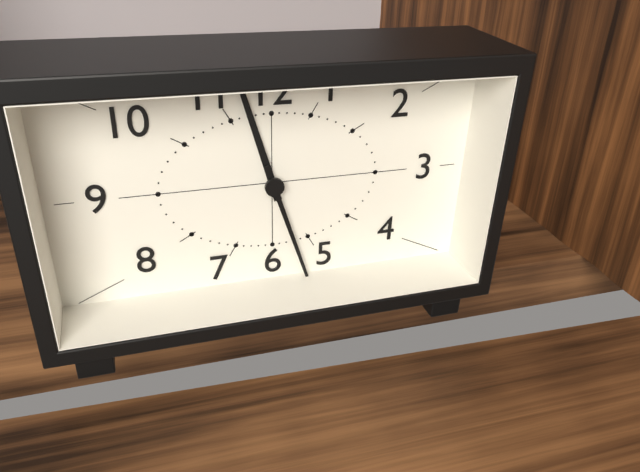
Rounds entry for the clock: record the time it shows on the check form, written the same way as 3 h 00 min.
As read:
11 h 27 min
